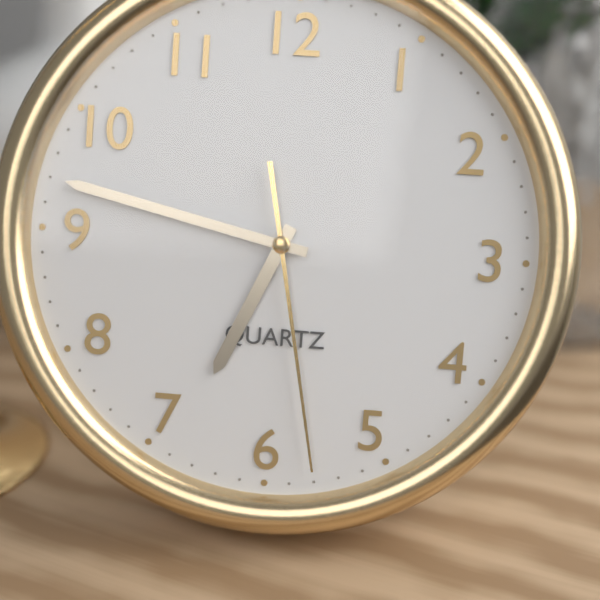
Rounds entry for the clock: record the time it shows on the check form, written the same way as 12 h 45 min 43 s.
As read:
6 h 47 min 28 s
